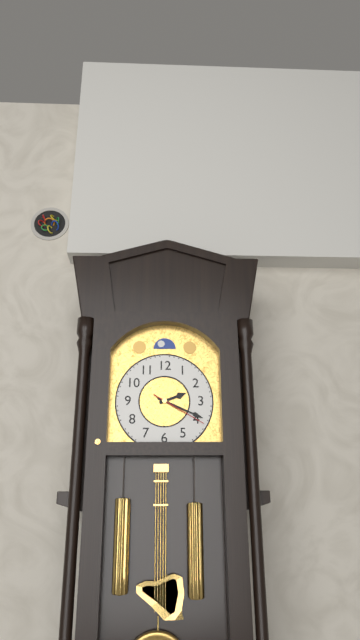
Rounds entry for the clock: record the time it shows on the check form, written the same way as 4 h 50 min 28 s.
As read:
2 h 19 min 20 s
